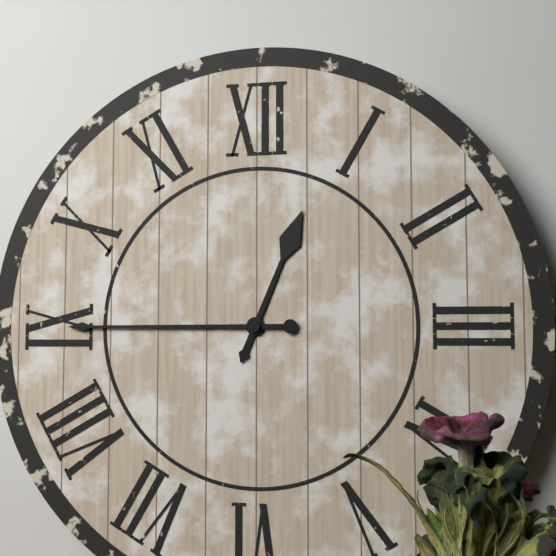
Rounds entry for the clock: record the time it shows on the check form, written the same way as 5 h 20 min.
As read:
12 h 45 min
